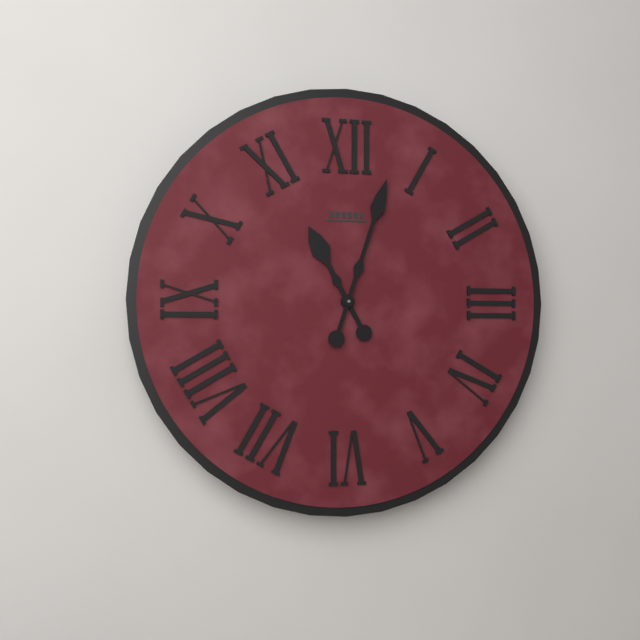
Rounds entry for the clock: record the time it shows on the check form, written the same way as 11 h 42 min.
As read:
11 h 03 min
